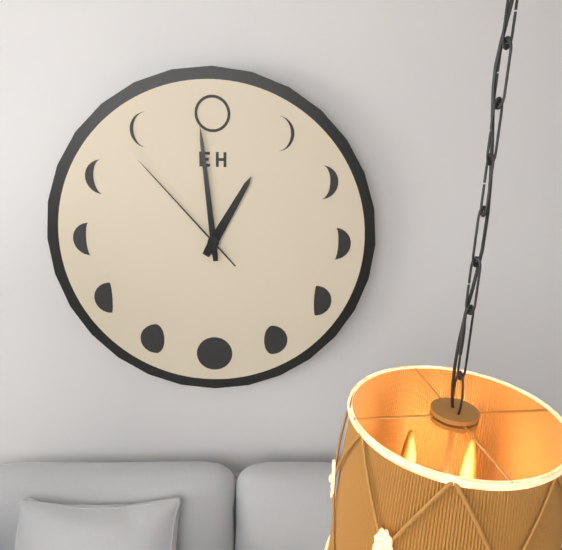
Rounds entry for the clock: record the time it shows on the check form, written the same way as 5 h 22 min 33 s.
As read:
12 h 59 min 53 s
